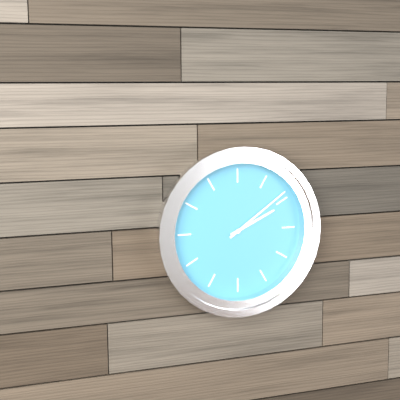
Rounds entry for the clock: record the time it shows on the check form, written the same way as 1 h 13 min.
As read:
2 h 09 min
